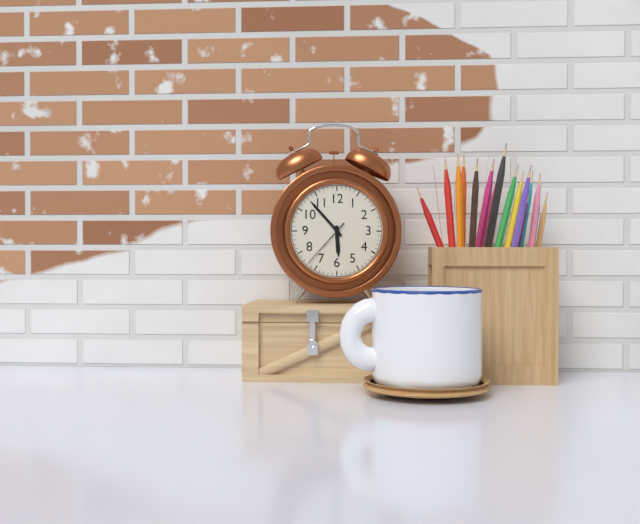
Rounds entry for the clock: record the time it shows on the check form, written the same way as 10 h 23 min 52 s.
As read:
5 h 53 min 37 s
